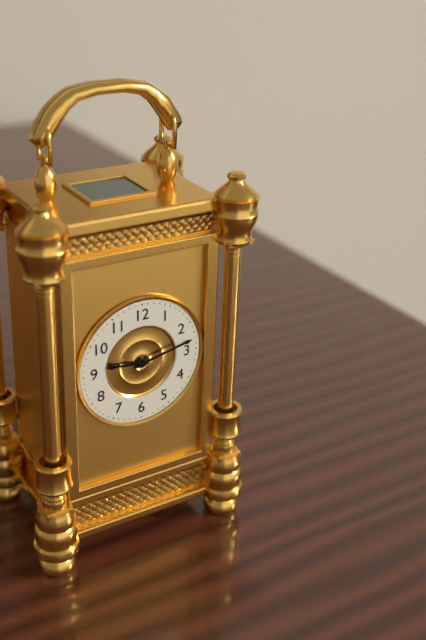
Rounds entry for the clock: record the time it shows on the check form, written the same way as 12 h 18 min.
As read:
9 h 13 min
